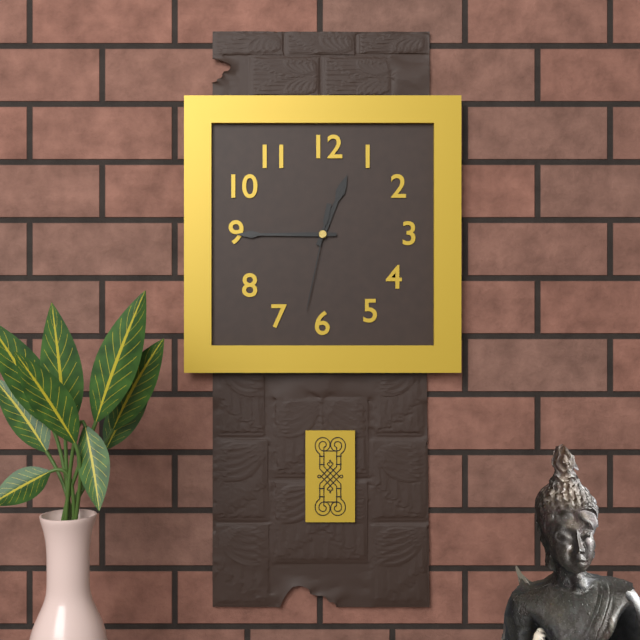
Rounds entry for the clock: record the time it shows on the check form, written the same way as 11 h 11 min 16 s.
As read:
12 h 45 min 32 s
